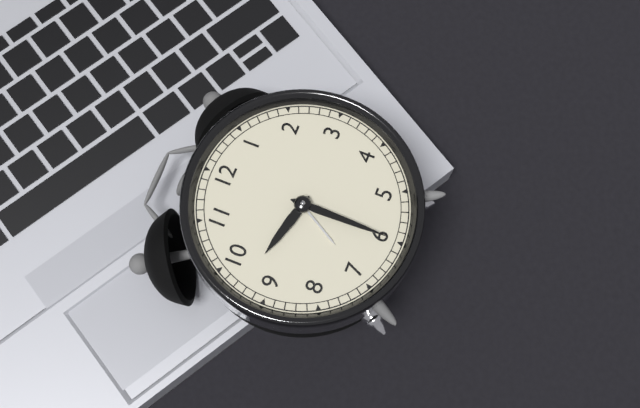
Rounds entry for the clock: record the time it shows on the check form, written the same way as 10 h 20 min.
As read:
9 h 30 min
